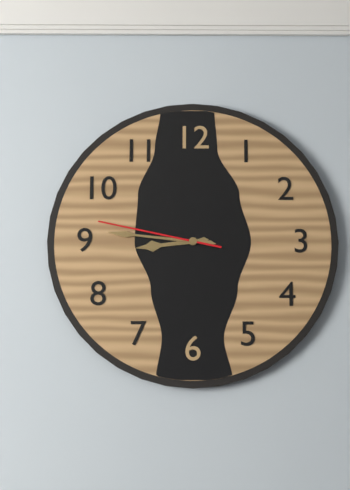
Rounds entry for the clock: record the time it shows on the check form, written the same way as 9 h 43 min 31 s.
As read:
8 h 46 min 47 s
